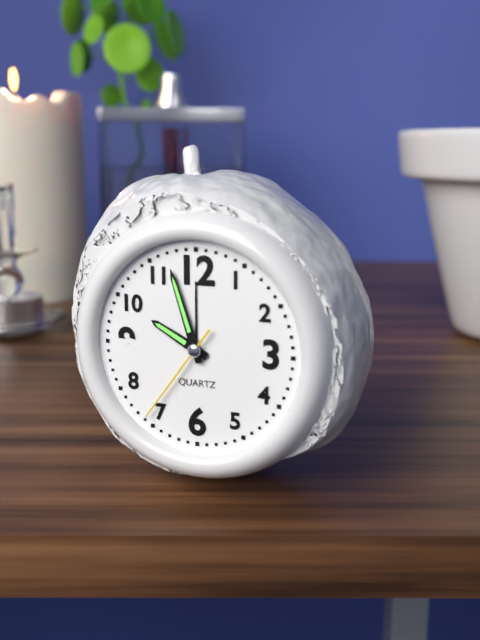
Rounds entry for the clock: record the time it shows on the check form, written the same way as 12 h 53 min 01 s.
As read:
9 h 57 min 36 s
